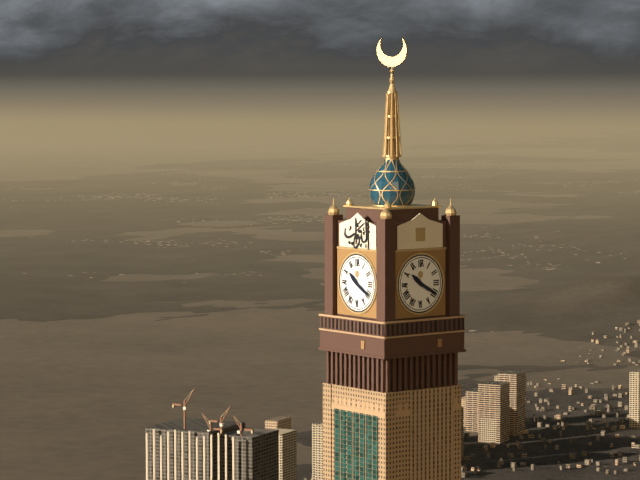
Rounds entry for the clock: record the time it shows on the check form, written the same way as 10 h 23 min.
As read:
10 h 20 min
